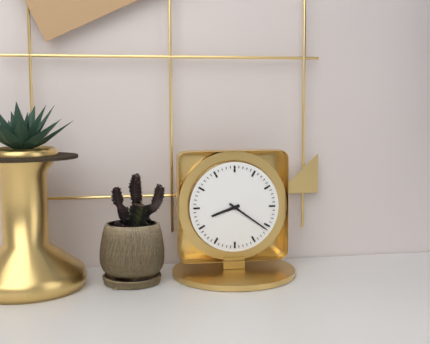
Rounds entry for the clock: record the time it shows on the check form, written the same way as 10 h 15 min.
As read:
8 h 21 min
